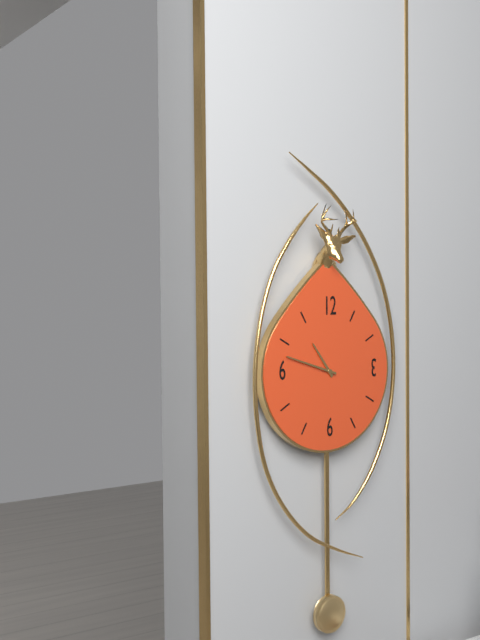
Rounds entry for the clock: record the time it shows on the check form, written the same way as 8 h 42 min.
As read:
10 h 48 min
